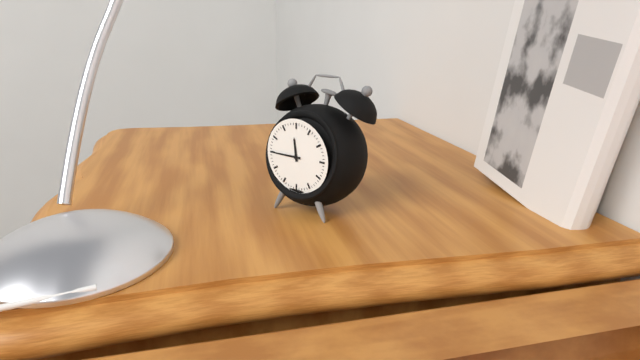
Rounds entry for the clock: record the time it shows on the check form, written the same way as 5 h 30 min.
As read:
11 h 45 min
